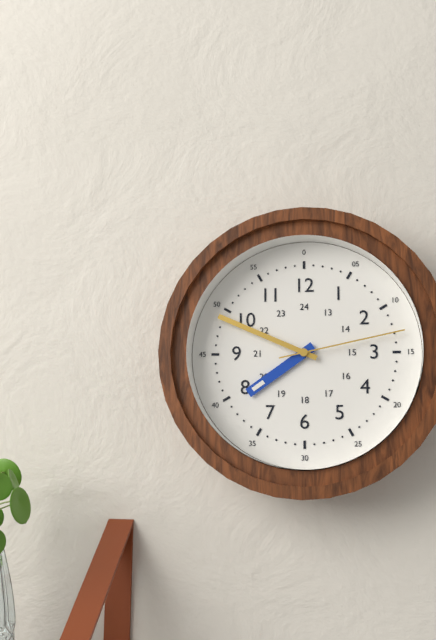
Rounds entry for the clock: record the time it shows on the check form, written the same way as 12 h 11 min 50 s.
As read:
7 h 49 min 13 s
